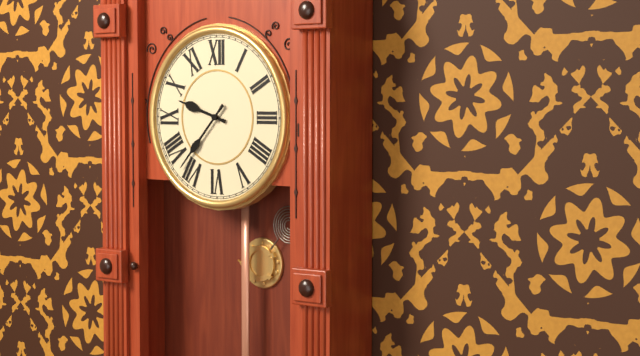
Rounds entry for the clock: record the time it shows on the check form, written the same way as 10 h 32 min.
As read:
9 h 37 min
